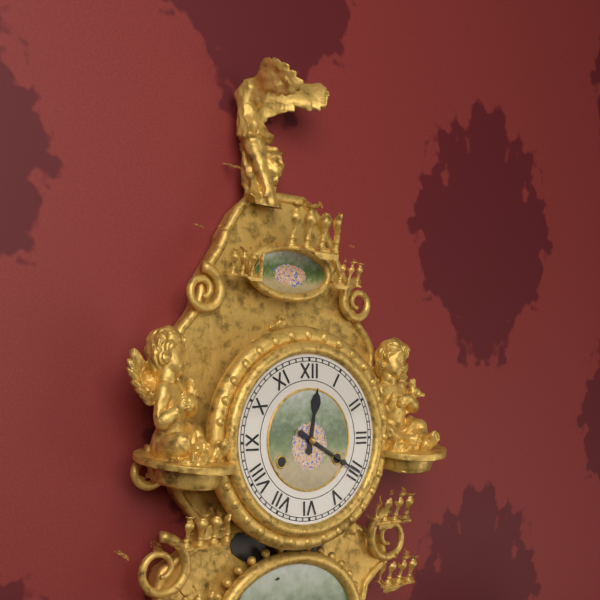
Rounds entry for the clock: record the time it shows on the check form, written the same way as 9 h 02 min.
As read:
12 h 20 min
